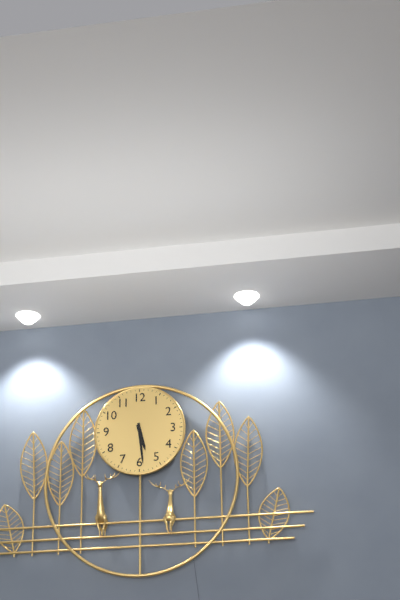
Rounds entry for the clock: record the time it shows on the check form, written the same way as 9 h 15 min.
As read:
5 h 29 min
